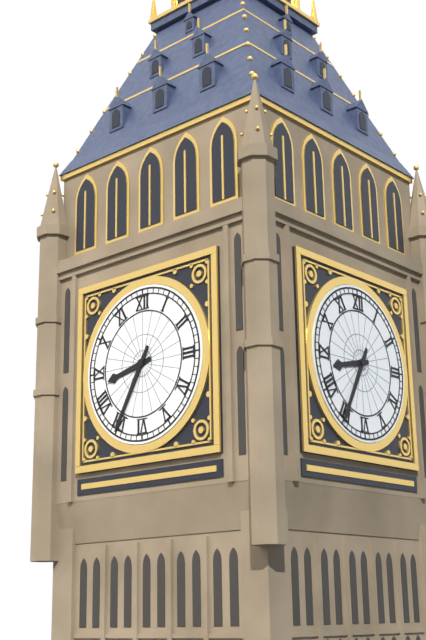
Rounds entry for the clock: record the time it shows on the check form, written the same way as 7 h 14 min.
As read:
8 h 35 min
